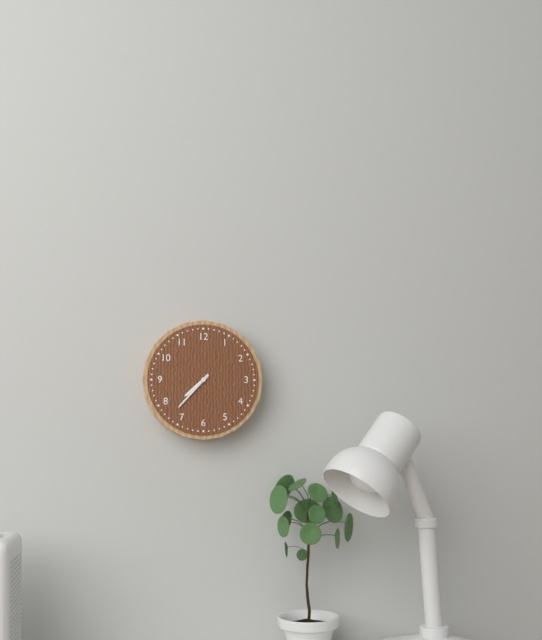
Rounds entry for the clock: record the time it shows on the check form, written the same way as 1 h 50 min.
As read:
7 h 37 min
